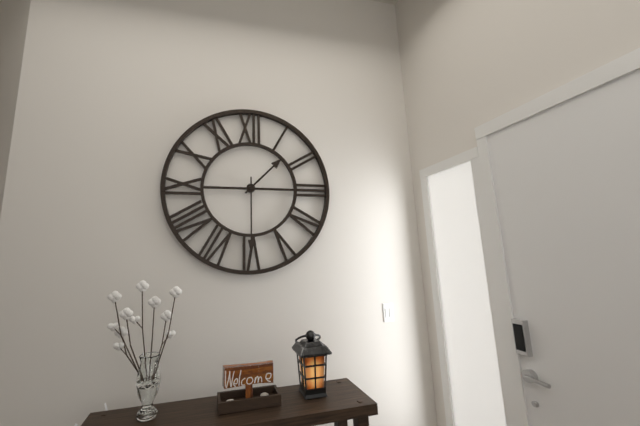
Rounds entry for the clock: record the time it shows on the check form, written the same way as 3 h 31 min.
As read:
1 h 30 min
